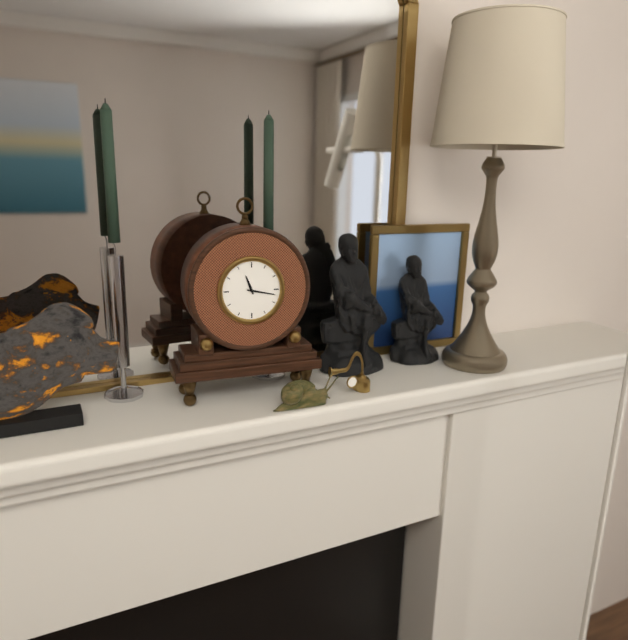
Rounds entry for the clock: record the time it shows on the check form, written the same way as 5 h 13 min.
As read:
11 h 17 min
